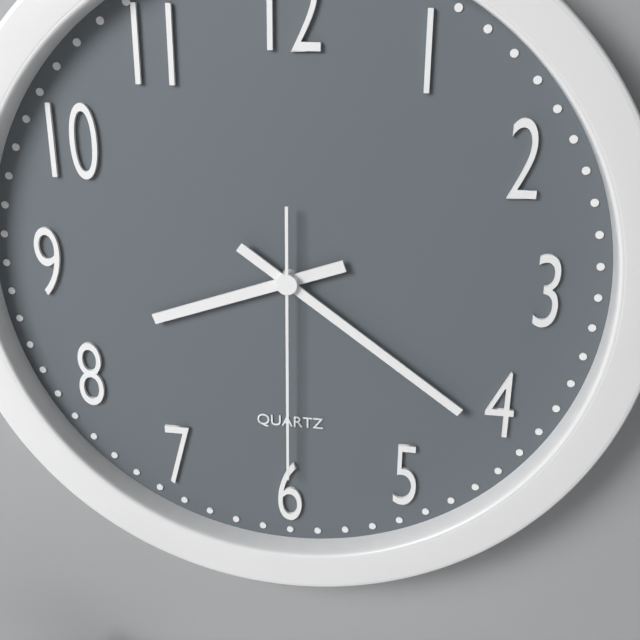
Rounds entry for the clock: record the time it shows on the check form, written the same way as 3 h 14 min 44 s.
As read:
8 h 21 min 30 s
